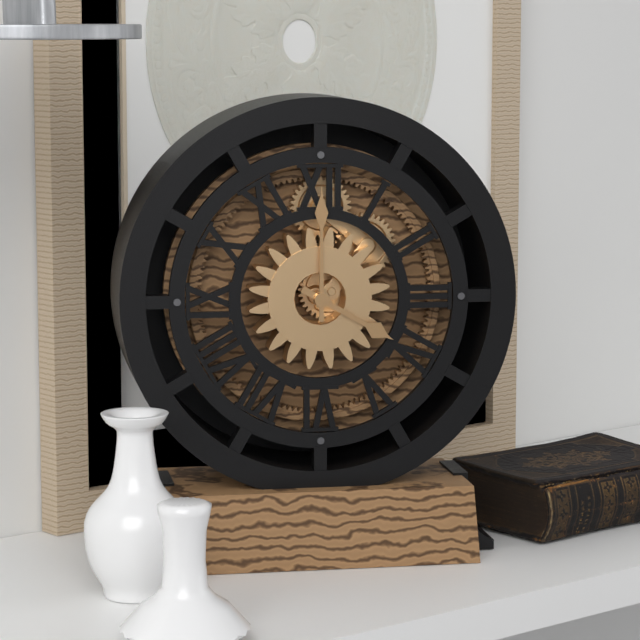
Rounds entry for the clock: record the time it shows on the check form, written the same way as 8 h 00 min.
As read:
4 h 00 min
